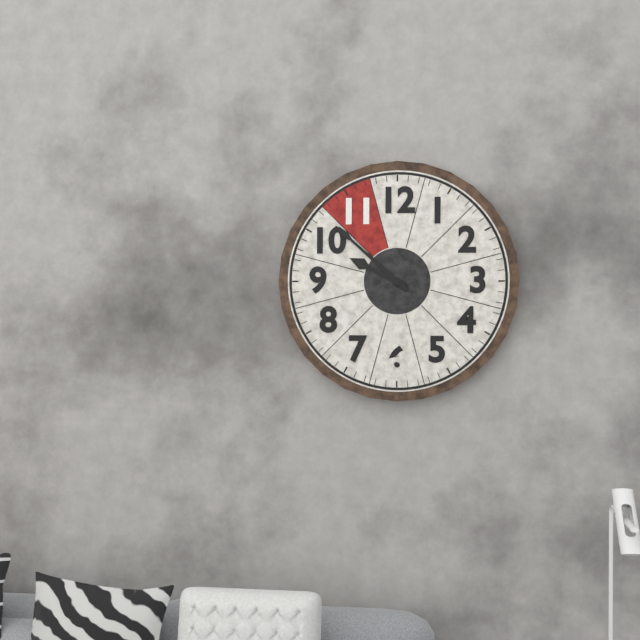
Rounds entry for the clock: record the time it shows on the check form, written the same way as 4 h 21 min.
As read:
9 h 52 min
